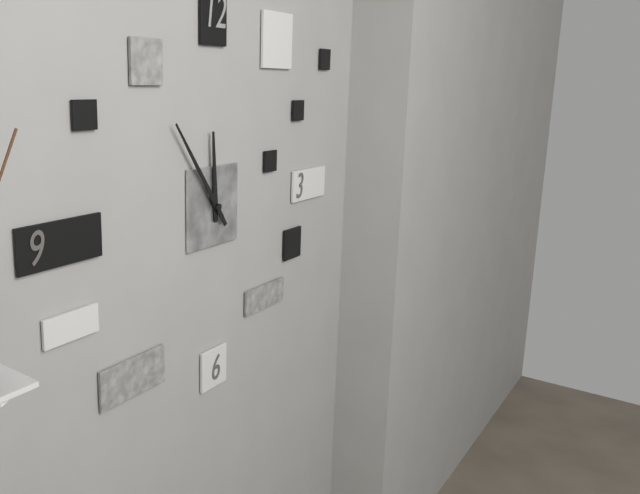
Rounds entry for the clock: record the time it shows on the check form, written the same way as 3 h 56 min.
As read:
11 h 54 min
